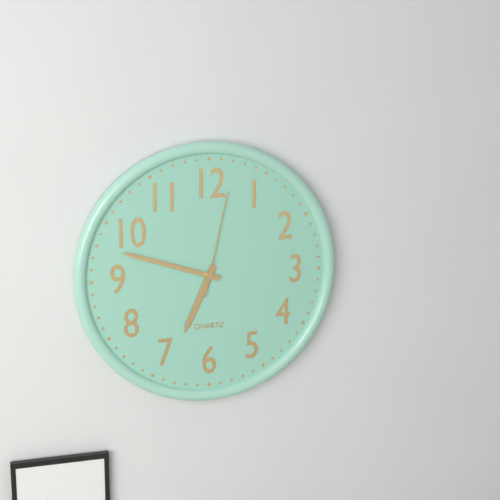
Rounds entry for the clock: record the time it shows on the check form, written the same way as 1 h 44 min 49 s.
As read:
6 h 48 min 02 s
